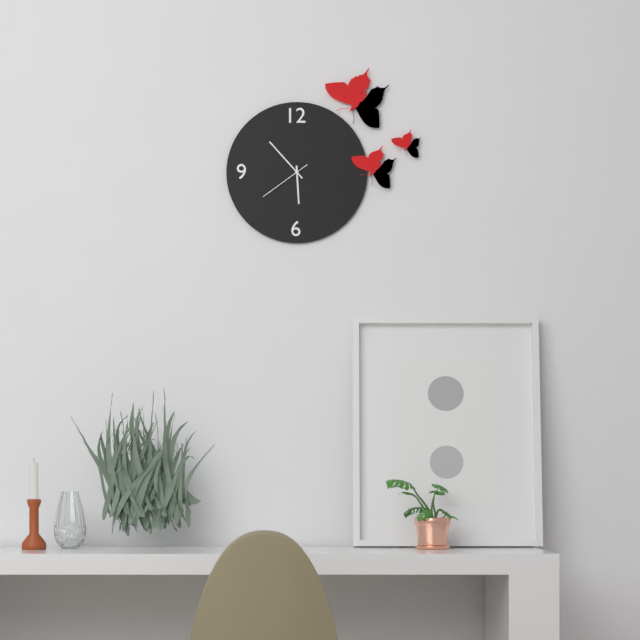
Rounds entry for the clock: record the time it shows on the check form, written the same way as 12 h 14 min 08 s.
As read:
5 h 53 min 39 s
